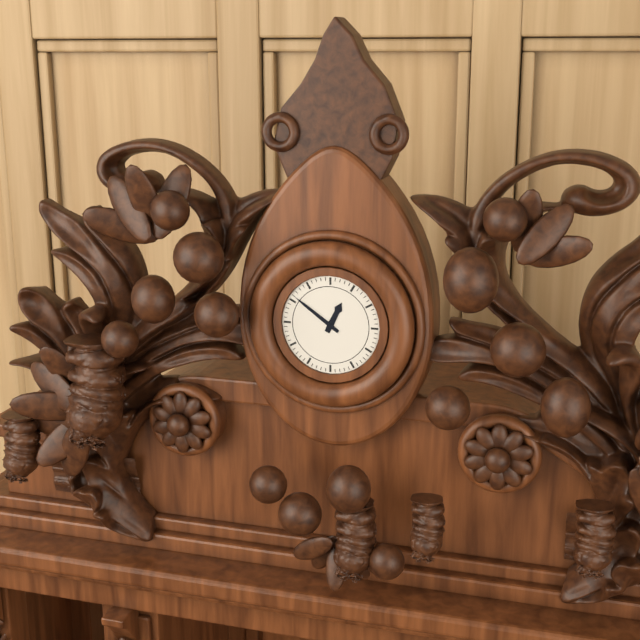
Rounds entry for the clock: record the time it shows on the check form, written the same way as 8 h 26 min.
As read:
12 h 51 min
